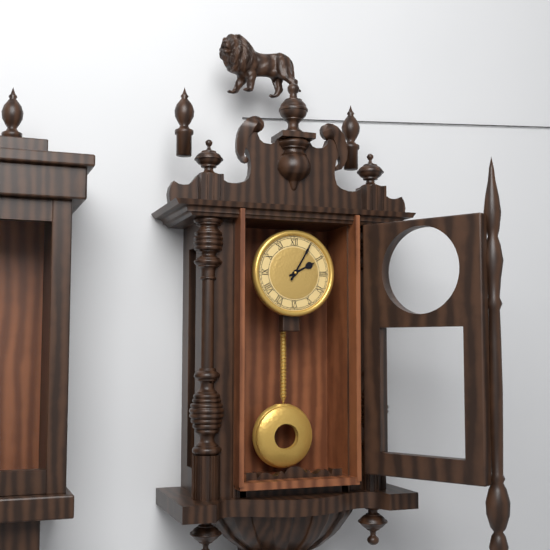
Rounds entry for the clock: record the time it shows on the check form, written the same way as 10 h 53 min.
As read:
2 h 05 min
